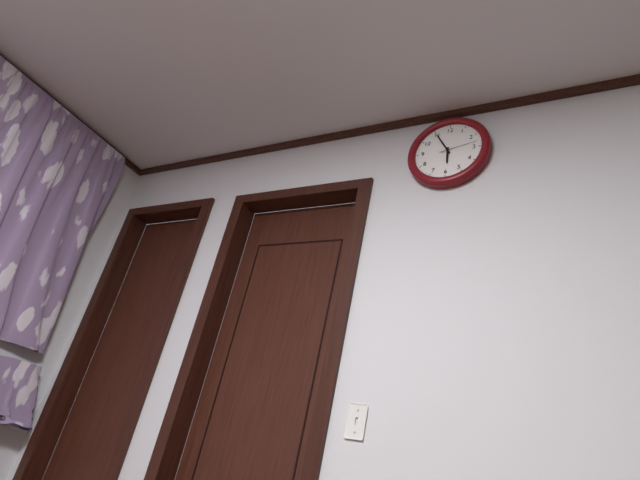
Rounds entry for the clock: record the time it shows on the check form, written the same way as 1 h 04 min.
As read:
5 h 55 min
